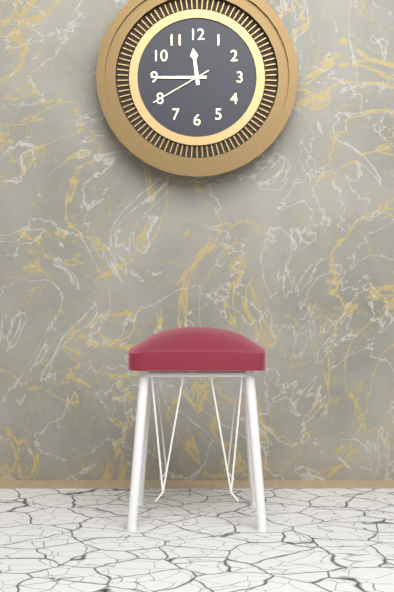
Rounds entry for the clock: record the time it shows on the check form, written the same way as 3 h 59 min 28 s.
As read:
11 h 45 min 40 s
